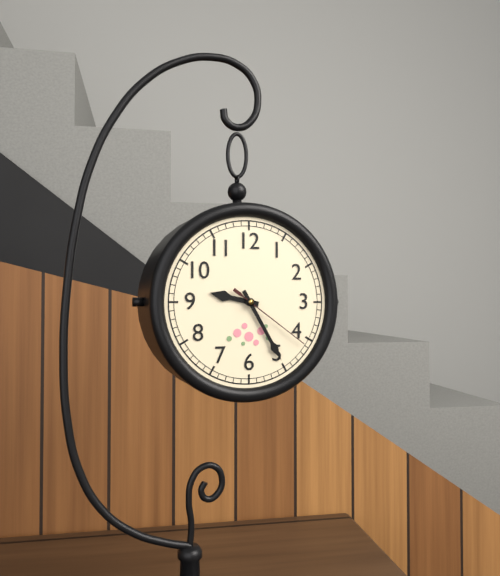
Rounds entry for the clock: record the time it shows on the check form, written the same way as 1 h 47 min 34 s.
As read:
9 h 25 min 21 s
